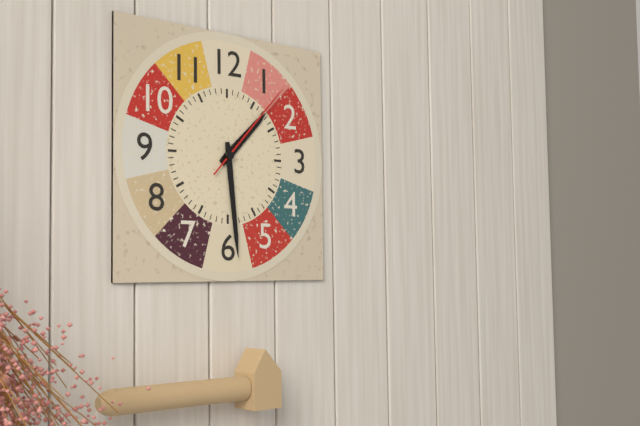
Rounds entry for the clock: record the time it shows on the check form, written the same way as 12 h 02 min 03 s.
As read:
1 h 29 min 07 s
